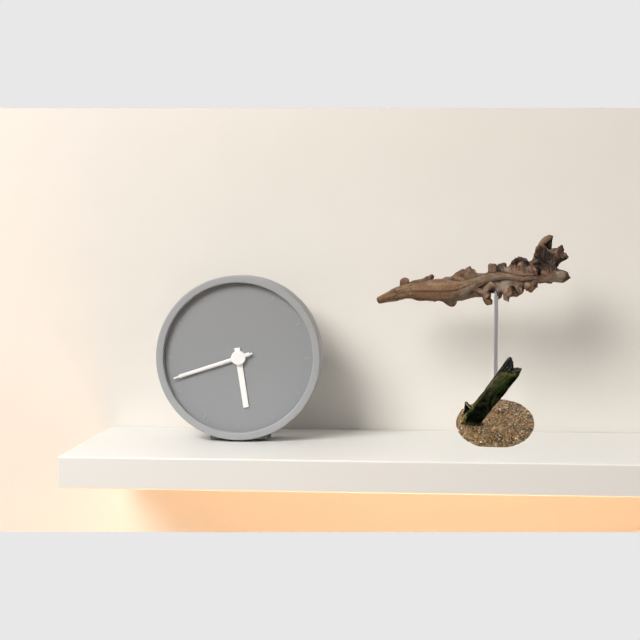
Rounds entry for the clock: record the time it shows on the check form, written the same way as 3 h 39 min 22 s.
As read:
5 h 42 min 42 s
